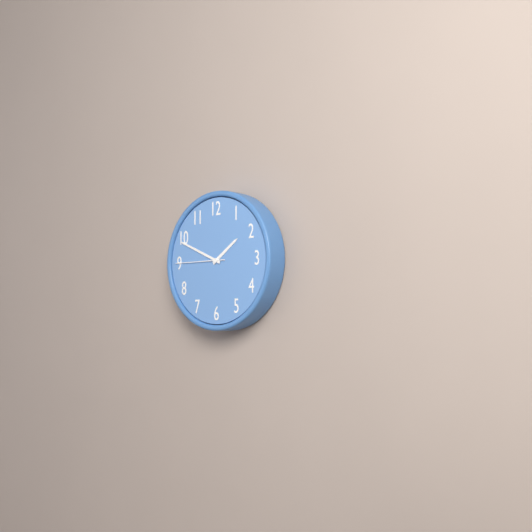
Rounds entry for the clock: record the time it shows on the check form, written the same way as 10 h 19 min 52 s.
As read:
1 h 49 min 45 s
